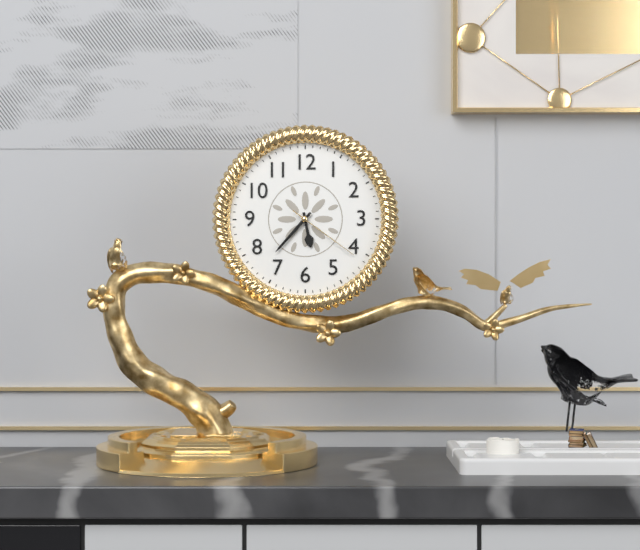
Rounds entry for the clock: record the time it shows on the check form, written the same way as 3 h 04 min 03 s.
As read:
5 h 37 min 21 s
